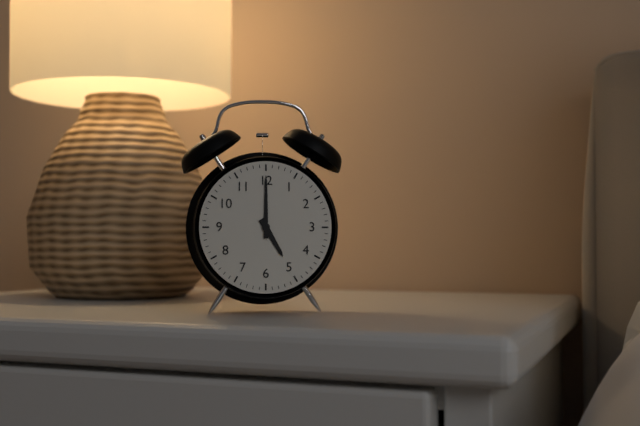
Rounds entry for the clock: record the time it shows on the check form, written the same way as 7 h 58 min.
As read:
5 h 00 min
